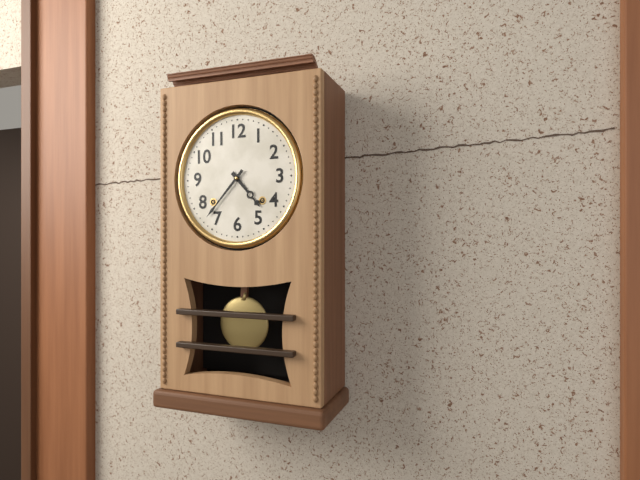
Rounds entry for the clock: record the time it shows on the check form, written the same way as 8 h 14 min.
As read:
4 h 37 min
